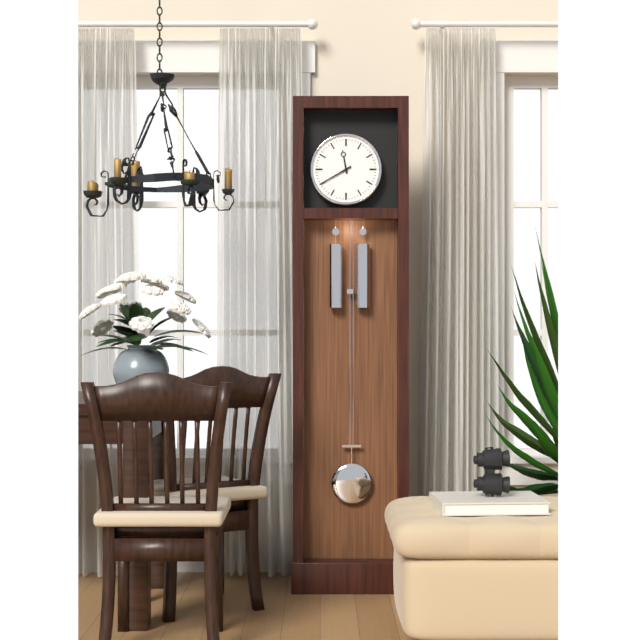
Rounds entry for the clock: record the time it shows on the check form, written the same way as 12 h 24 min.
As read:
11 h 40 min
